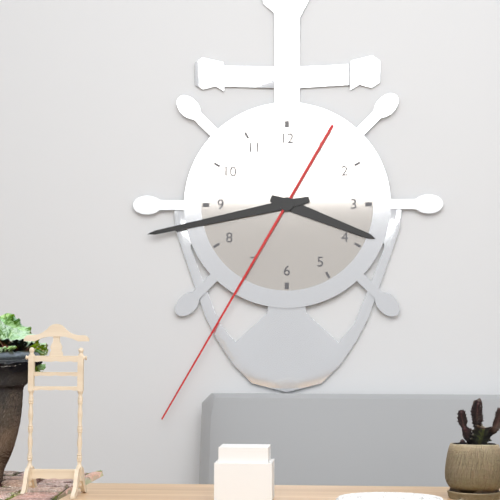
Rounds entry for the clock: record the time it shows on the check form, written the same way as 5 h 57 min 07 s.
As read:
3 h 43 min 35 s
